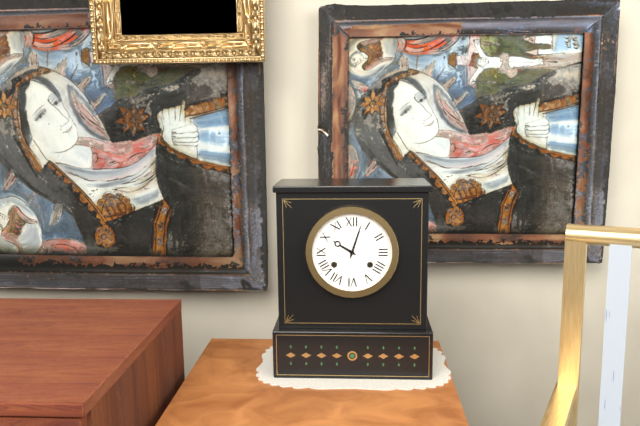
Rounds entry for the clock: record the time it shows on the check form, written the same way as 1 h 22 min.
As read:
10 h 03 min
